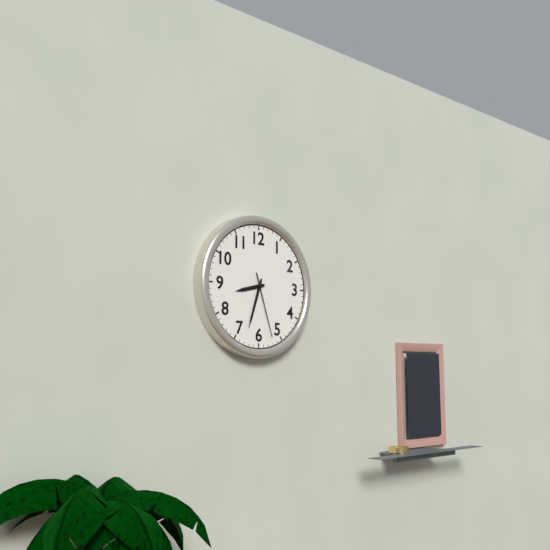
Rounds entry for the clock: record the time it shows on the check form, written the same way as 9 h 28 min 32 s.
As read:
8 h 33 min 27 s
